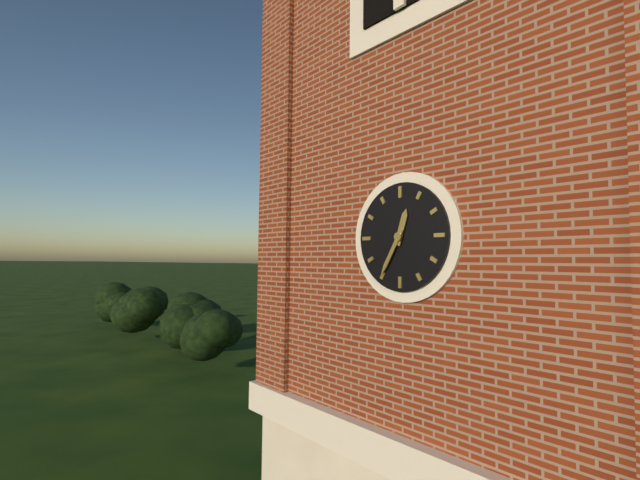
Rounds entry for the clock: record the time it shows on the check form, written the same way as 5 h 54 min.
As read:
12 h 35 min
